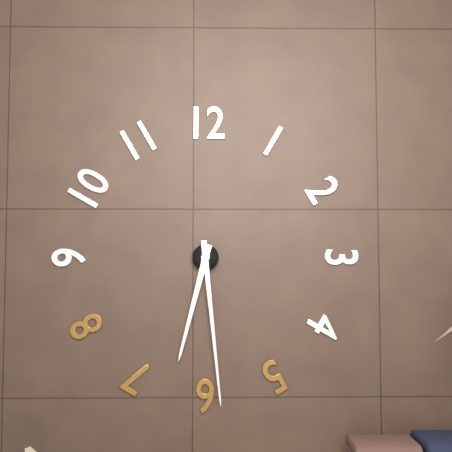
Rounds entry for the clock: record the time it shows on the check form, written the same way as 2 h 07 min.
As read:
6 h 29 min
